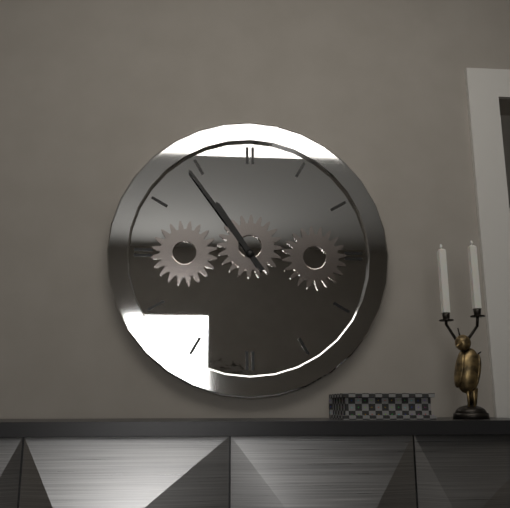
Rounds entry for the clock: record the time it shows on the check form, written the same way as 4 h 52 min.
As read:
10 h 54 min
